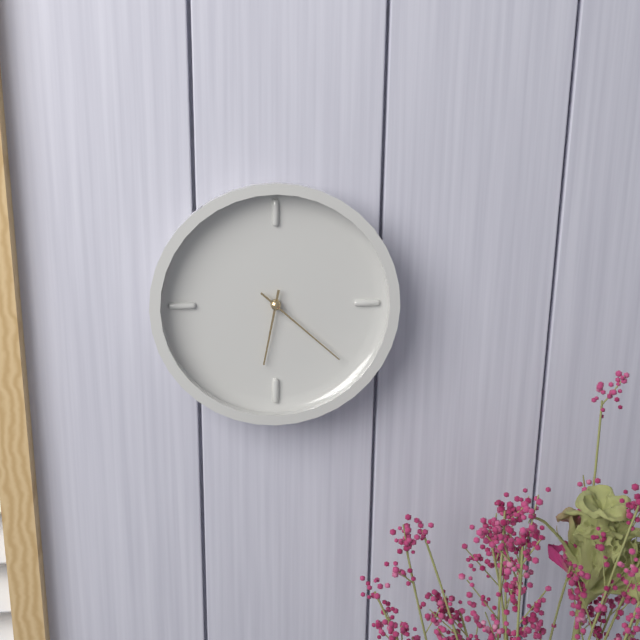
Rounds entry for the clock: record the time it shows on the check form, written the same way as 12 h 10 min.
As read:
6 h 22 min
